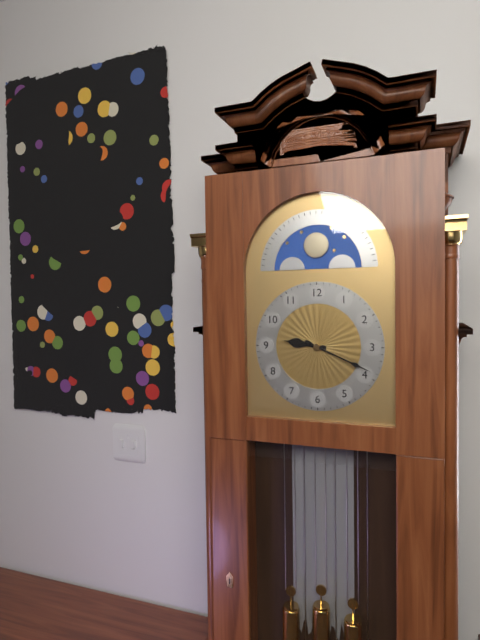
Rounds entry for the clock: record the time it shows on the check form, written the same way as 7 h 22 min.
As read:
9 h 19 min
